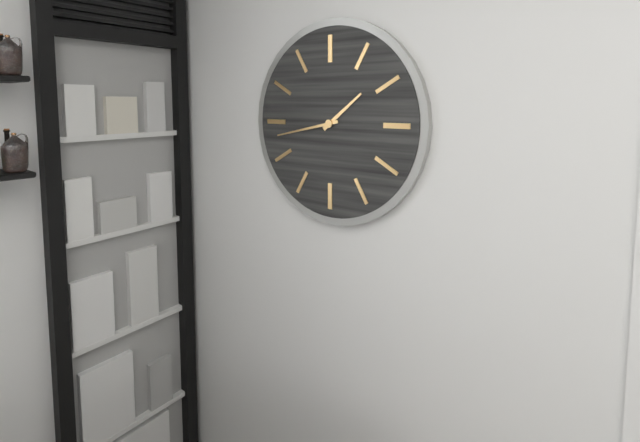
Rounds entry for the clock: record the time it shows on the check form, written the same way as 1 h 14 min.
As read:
1 h 43 min
